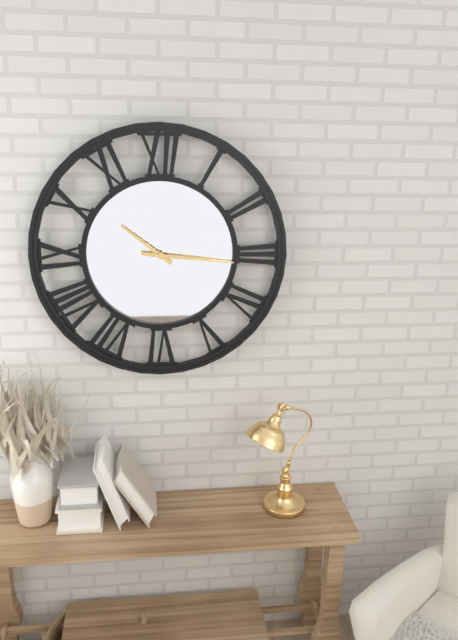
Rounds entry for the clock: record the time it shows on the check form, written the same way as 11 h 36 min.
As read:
10 h 16 min
